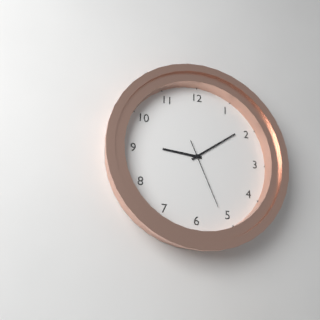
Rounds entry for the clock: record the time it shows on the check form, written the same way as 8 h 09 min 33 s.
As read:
9 h 09 min 26 s
